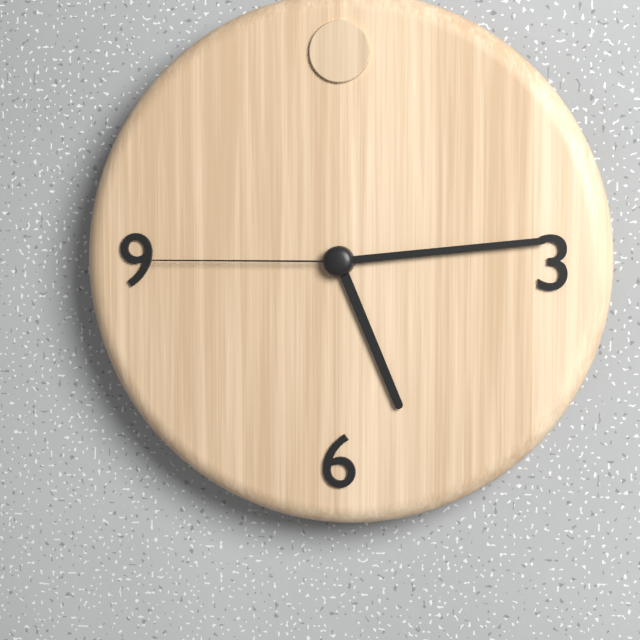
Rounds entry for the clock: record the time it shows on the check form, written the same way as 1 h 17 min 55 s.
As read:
5 h 14 min 45 s
